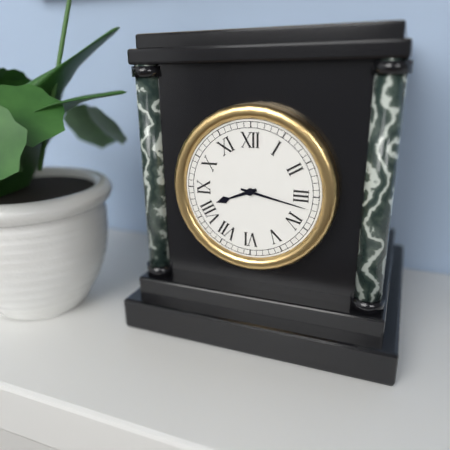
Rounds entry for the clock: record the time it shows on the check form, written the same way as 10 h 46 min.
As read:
8 h 17 min
